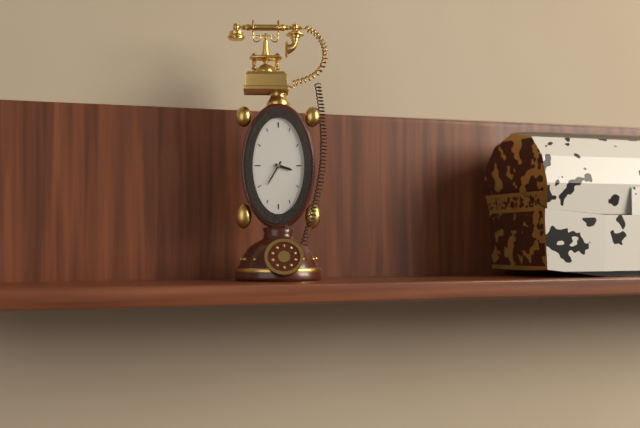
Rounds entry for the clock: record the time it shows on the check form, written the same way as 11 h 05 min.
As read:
3 h 35 min
